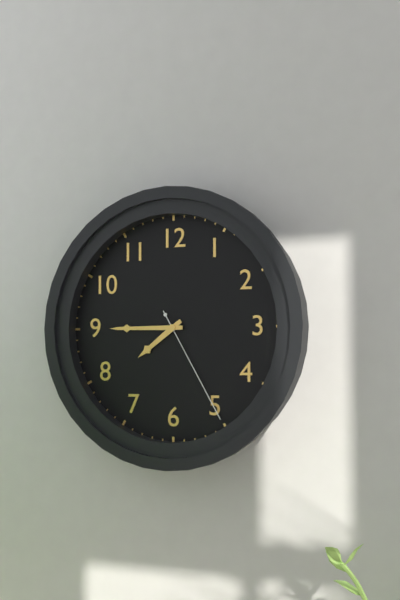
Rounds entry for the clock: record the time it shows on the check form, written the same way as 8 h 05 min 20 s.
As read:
7 h 45 min 25 s
